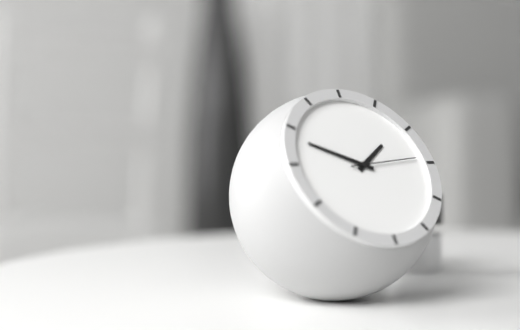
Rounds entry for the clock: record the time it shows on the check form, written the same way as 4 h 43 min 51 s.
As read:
1 h 49 min 14 s
